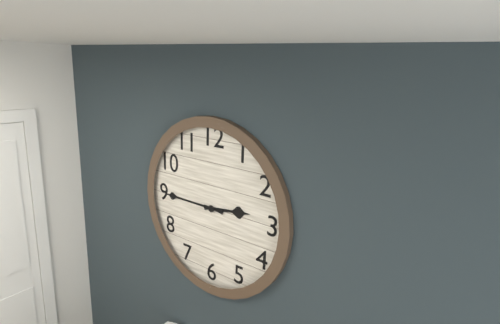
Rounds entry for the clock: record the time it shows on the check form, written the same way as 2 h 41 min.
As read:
2 h 45 min
